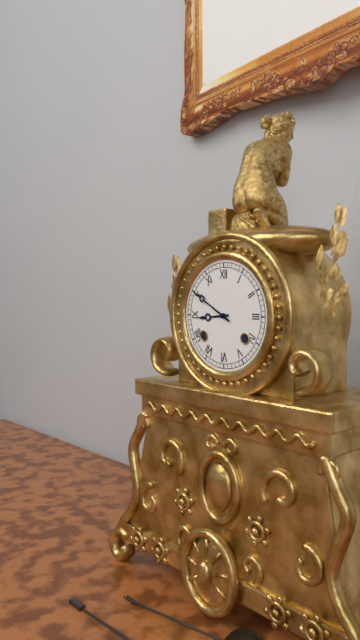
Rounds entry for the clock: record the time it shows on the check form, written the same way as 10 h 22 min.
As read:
8 h 50 min
